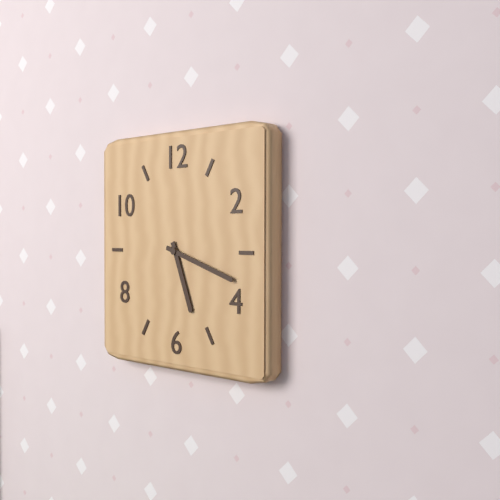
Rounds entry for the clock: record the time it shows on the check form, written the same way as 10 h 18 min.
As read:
5 h 18 min
